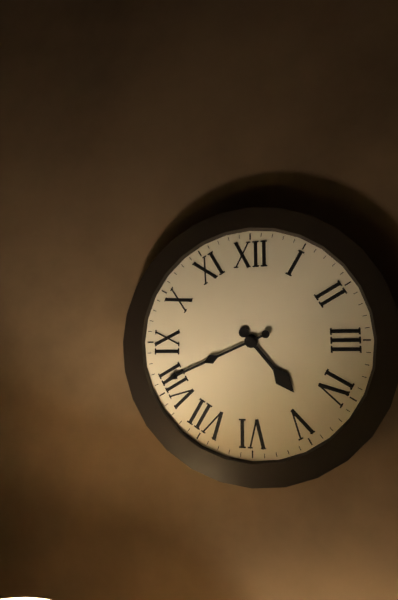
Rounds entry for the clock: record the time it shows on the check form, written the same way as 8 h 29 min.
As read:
4 h 41 min
